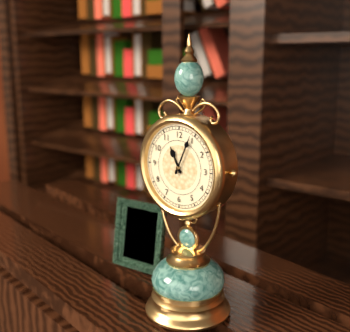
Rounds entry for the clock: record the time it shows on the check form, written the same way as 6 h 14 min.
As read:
11 h 04 min
